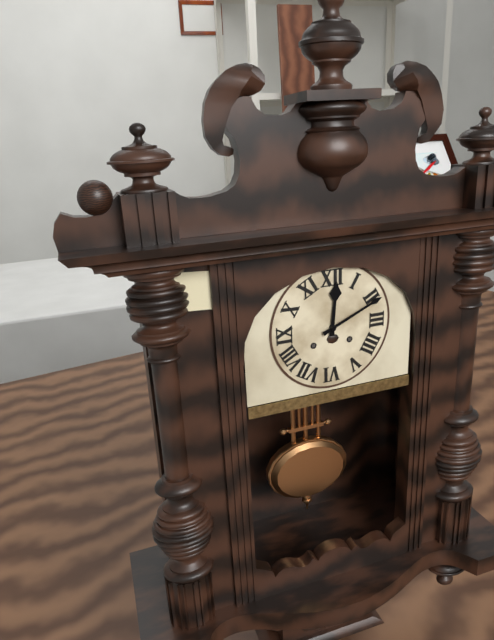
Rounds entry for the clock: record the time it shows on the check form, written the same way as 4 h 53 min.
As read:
12 h 11 min
